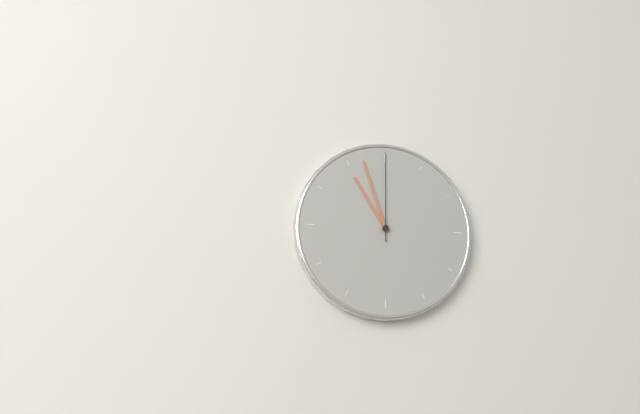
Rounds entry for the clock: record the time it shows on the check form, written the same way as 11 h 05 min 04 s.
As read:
10 h 57 min 00 s
